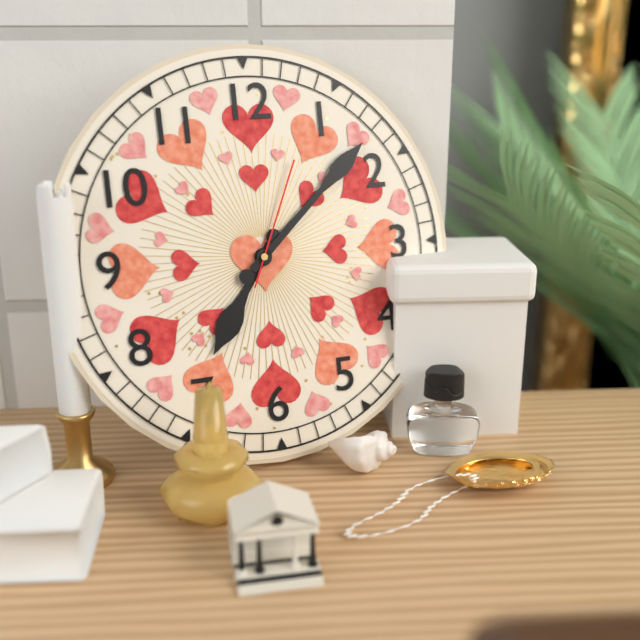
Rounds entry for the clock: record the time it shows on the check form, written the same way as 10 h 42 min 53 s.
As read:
7 h 08 min 04 s
